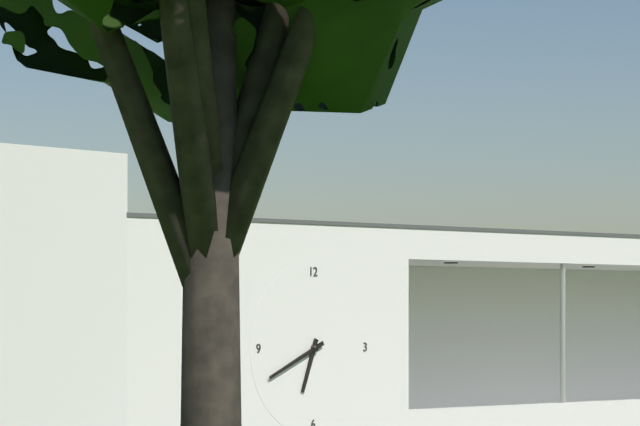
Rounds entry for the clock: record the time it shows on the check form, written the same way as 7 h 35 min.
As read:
6 h 41 min
